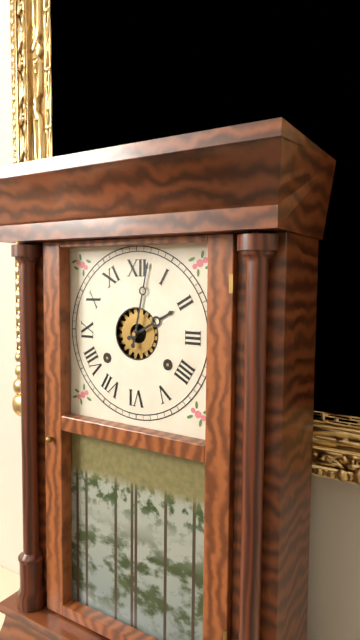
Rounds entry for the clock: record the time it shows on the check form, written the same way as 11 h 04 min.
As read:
2 h 02 min
